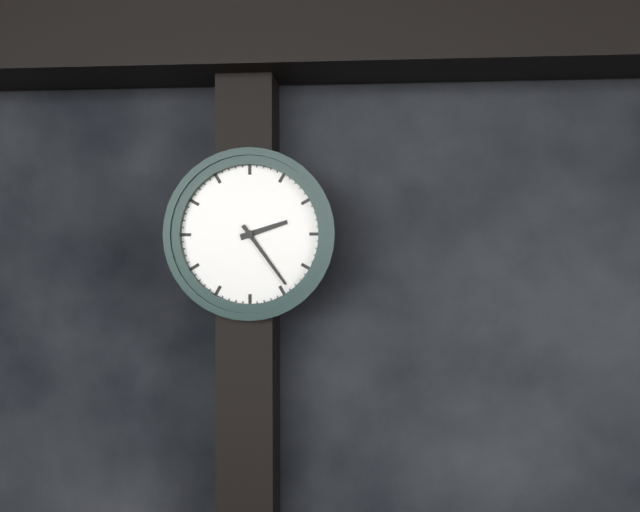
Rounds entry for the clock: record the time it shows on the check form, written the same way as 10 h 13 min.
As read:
2 h 24 min
